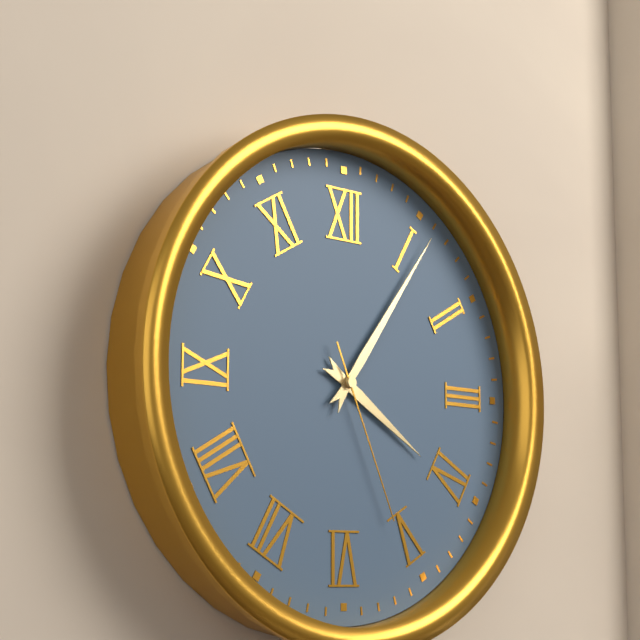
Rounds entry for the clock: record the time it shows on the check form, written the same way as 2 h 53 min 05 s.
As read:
4 h 06 min 26 s
